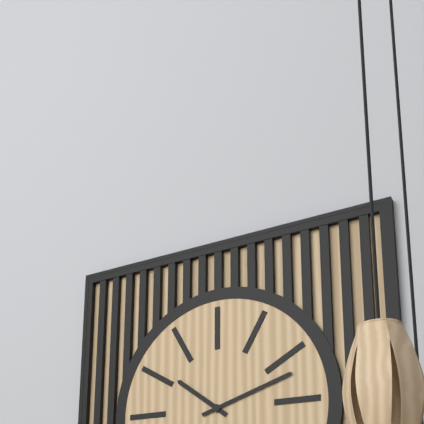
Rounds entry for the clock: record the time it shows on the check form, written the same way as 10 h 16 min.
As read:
10 h 12 min
